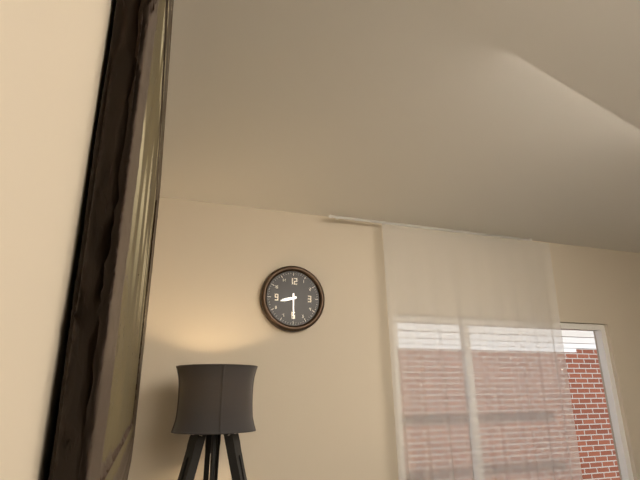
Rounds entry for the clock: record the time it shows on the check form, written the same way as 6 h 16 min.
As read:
8 h 30 min
